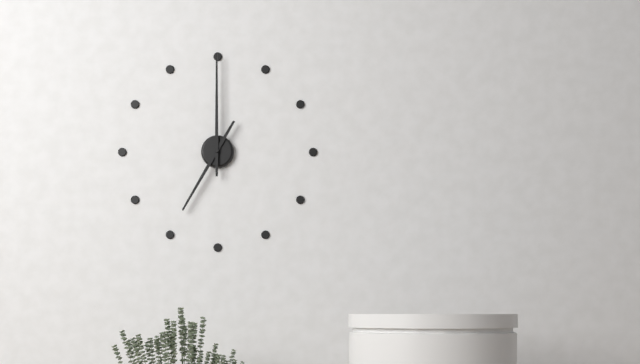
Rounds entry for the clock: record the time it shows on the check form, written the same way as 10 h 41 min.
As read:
7 h 00 min
